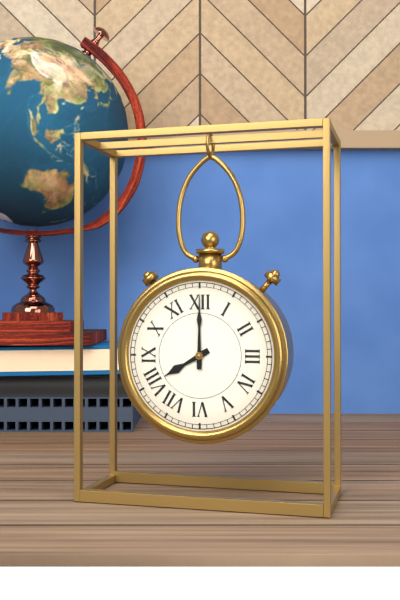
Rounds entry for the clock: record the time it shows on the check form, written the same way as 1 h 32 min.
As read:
8 h 00 min
